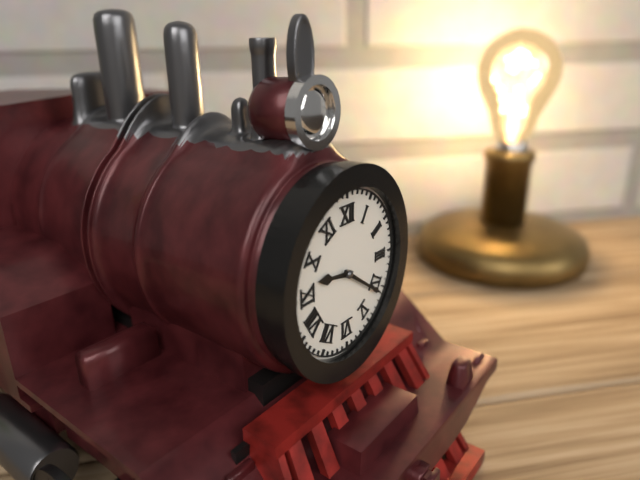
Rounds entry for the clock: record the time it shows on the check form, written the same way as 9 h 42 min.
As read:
9 h 21 min
